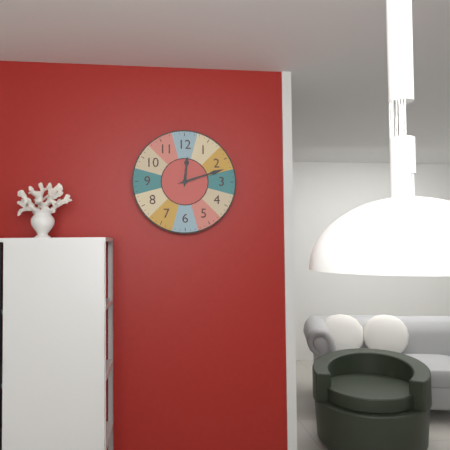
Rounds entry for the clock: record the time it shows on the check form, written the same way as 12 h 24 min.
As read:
12 h 12 min
